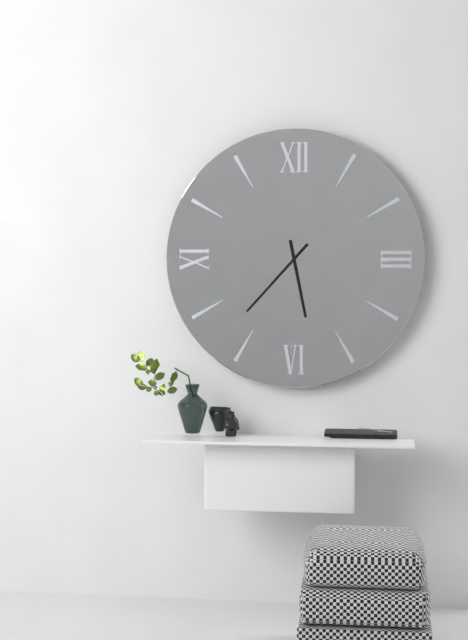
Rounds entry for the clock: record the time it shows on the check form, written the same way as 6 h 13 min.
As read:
5 h 37 min
